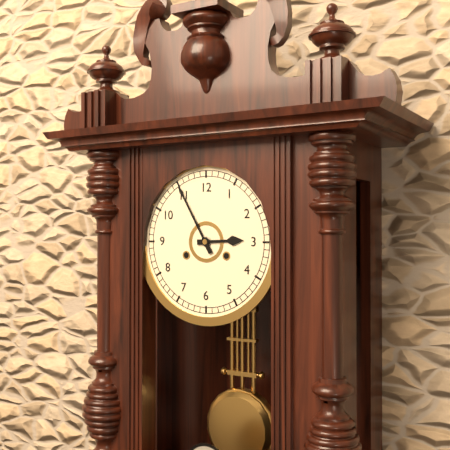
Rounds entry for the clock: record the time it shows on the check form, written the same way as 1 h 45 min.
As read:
2 h 55 min
